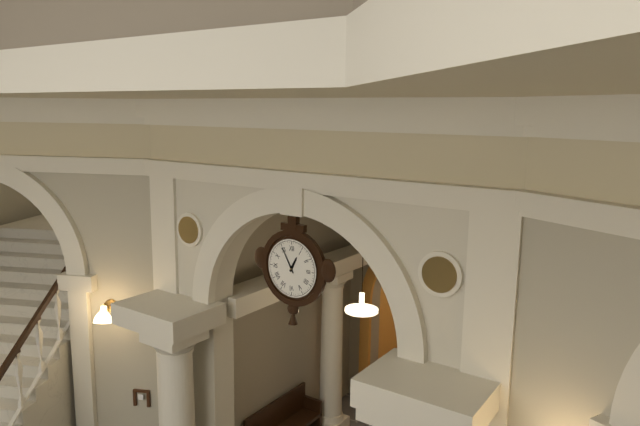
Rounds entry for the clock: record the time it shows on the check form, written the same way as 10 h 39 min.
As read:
12 h 55 min
